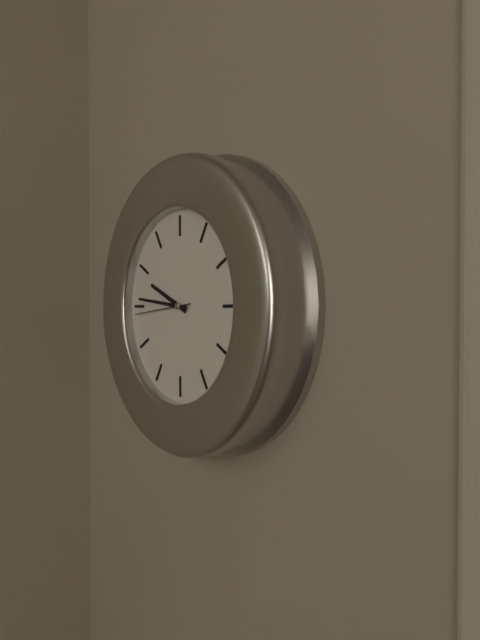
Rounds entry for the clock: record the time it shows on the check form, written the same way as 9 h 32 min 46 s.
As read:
9 h 46 min 44 s
